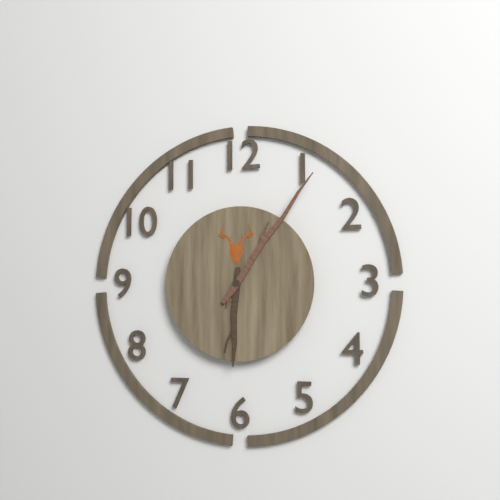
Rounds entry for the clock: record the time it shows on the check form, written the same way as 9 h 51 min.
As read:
6 h 06 min
